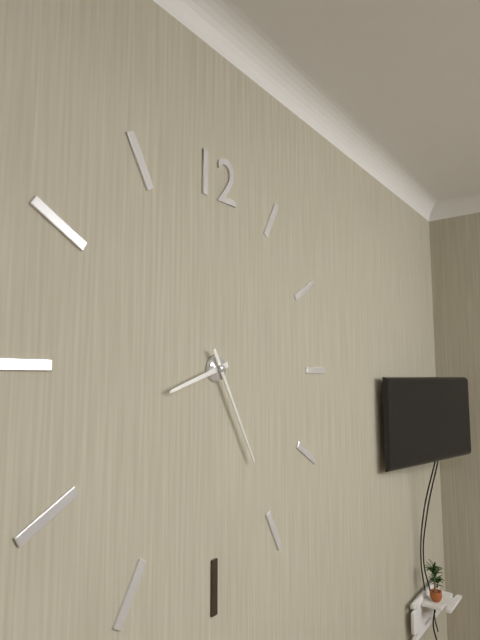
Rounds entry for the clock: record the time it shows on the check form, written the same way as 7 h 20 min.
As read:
8 h 25 min
